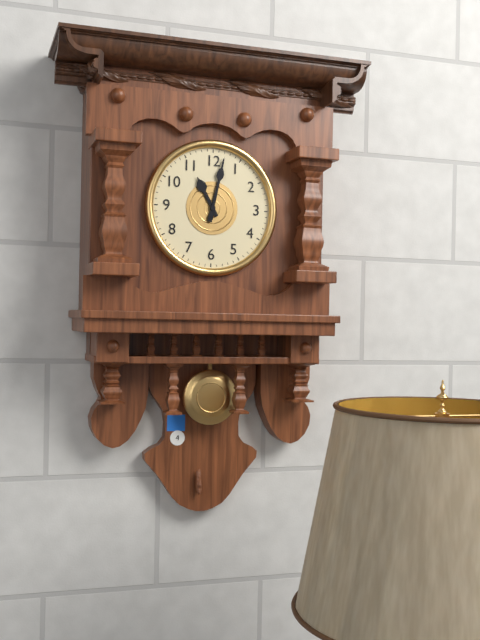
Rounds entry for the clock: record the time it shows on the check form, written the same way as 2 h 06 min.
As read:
11 h 02 min
